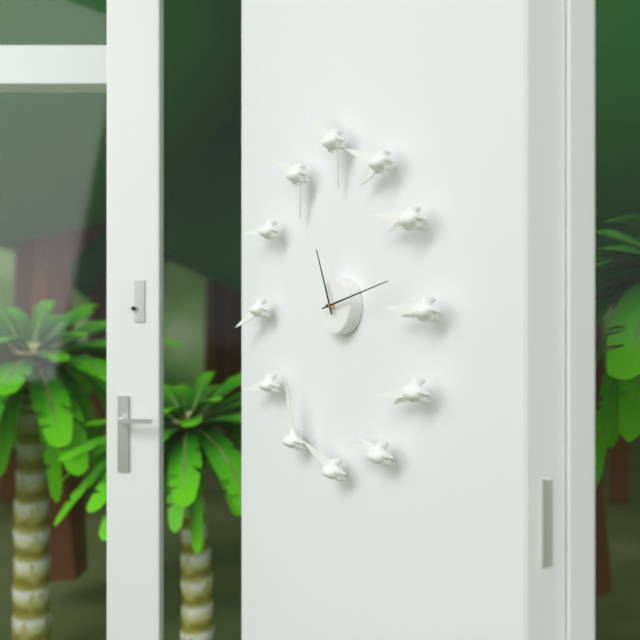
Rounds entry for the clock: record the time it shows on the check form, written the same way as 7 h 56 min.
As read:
11 h 13 min
